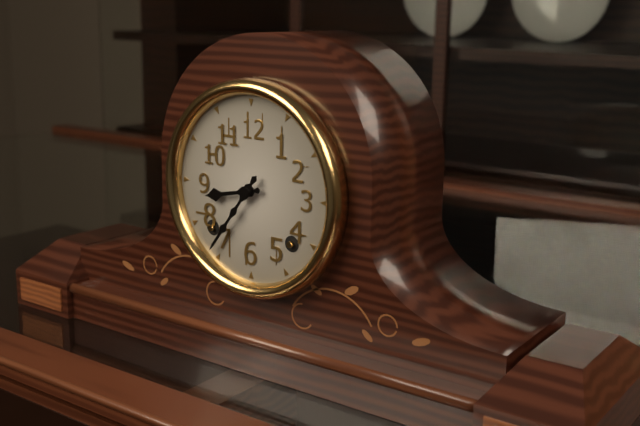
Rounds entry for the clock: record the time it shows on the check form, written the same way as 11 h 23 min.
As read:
8 h 36 min
